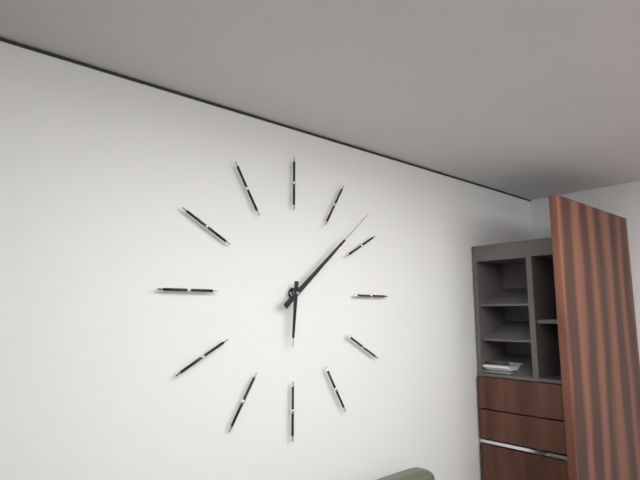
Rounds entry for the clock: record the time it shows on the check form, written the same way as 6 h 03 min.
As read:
6 h 08 min
